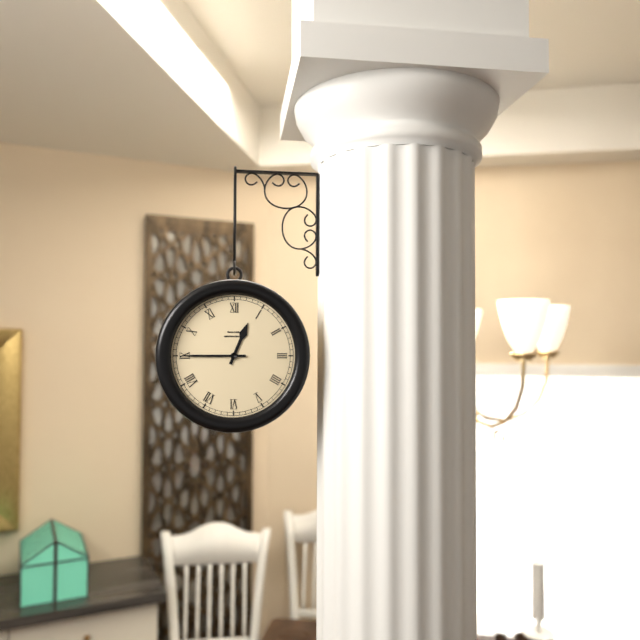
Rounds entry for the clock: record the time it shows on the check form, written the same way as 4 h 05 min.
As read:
12 h 45 min
